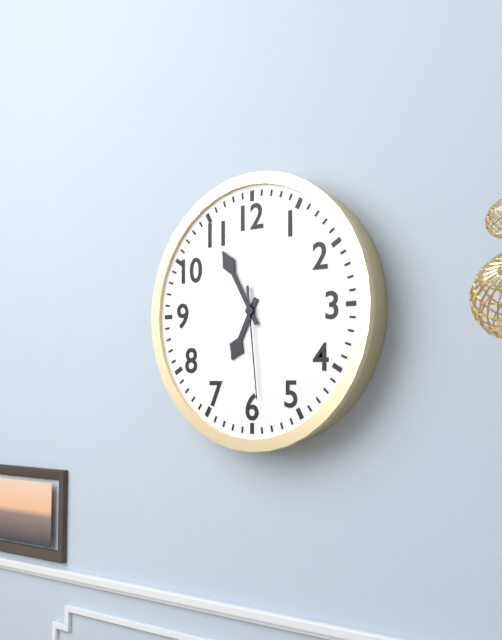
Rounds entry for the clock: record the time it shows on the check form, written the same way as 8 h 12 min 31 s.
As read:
6 h 55 min 29 s
